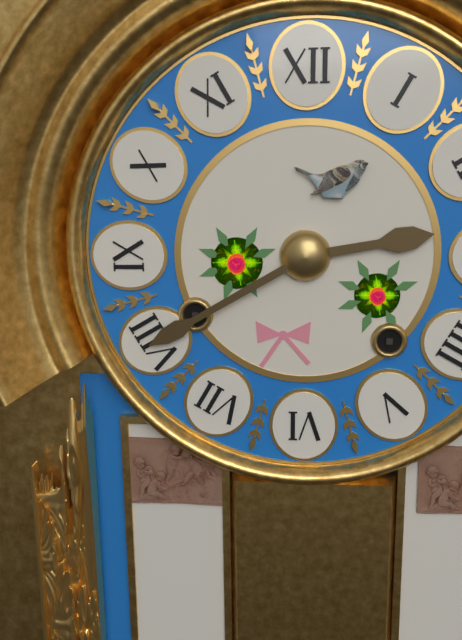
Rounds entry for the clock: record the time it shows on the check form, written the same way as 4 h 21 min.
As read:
2 h 40 min
